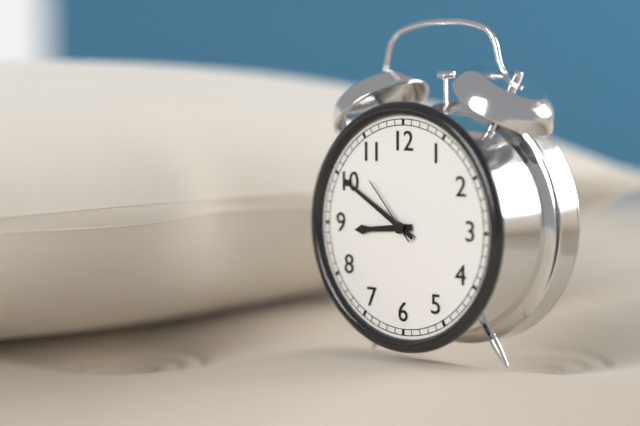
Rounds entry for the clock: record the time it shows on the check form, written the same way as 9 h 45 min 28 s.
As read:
8 h 50 min 53 s
